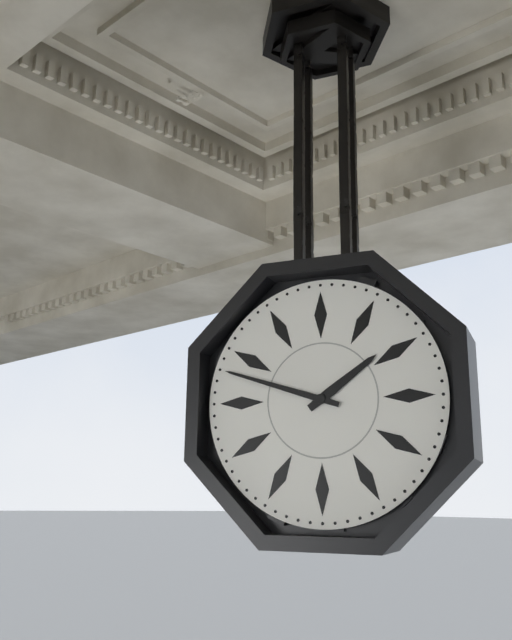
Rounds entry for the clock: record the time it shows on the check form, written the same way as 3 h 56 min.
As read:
1 h 48 min
